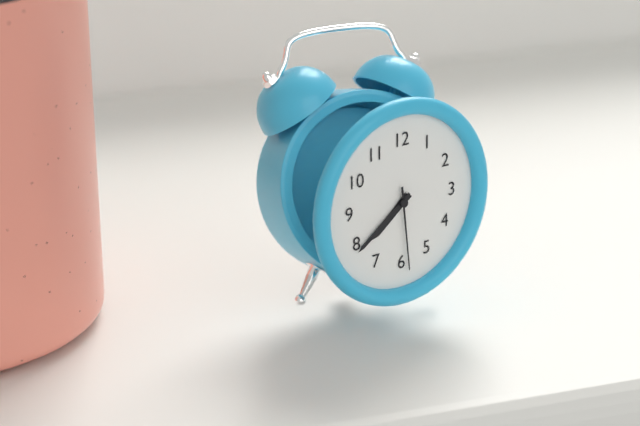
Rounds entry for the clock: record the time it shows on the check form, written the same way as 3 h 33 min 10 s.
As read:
7 h 39 min 29 s
